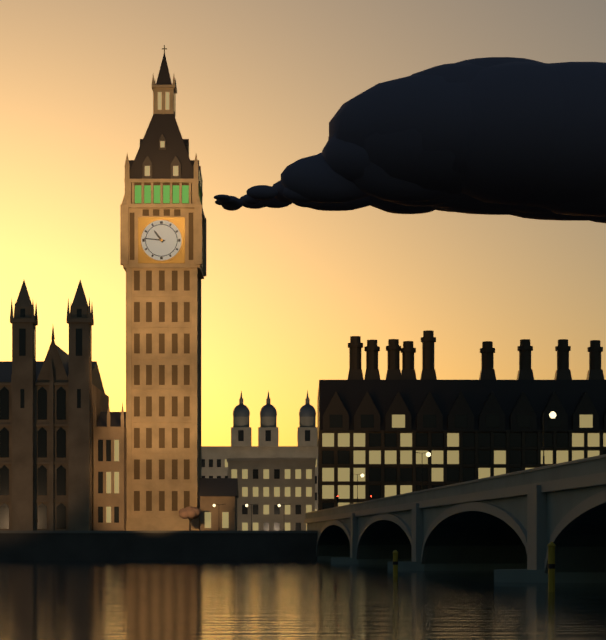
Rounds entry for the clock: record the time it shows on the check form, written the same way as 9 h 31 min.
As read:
10 h 46 min
